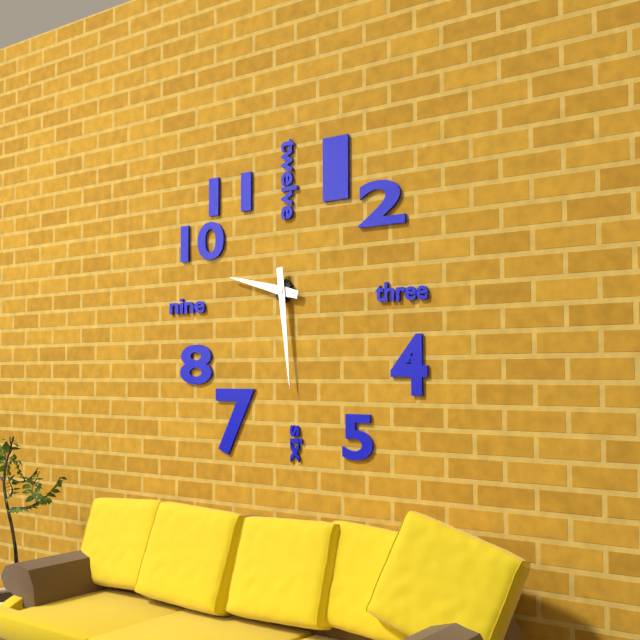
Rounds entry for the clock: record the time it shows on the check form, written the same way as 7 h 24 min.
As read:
9 h 29 min
